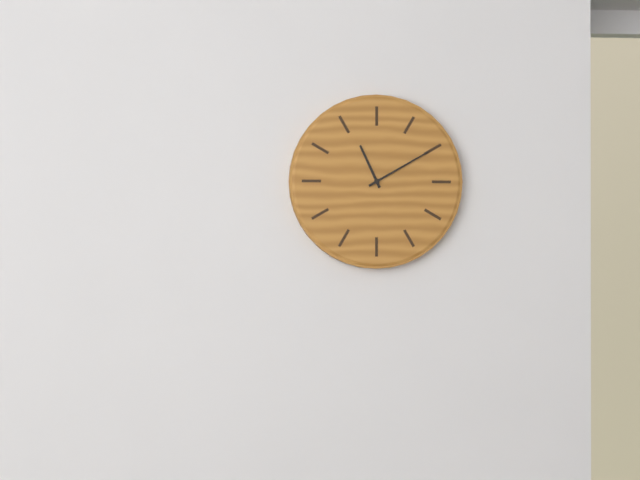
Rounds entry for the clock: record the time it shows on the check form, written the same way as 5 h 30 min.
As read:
11 h 10 min
